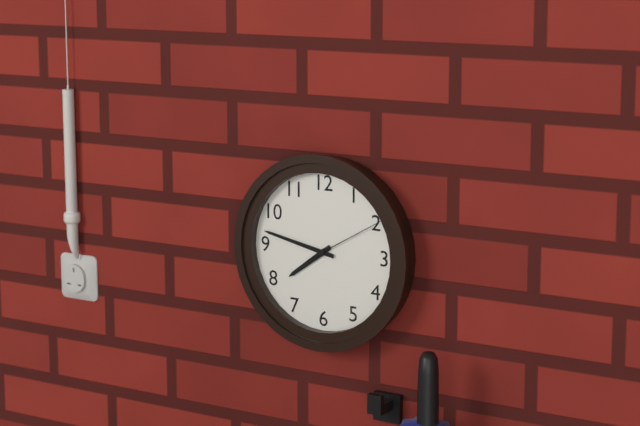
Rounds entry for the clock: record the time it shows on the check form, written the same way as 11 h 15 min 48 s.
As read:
7 h 47 min 10 s
